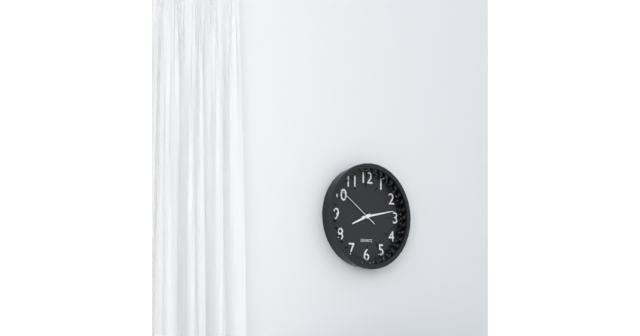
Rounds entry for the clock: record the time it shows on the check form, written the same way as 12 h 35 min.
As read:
8 h 13 min
